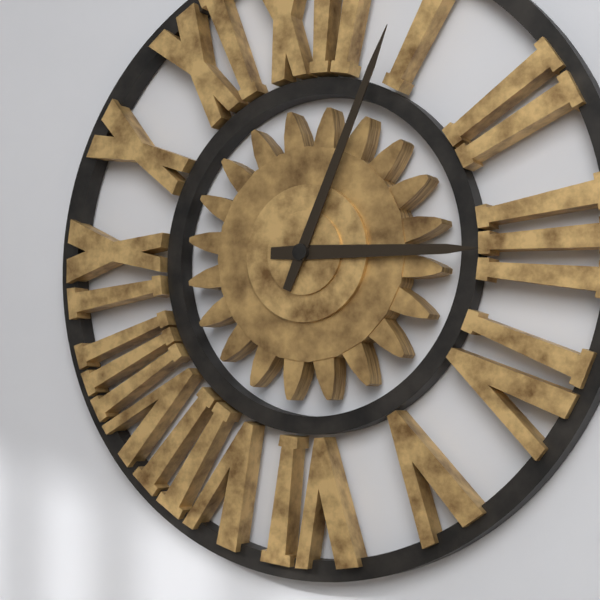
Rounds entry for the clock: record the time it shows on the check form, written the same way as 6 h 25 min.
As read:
3 h 04 min
